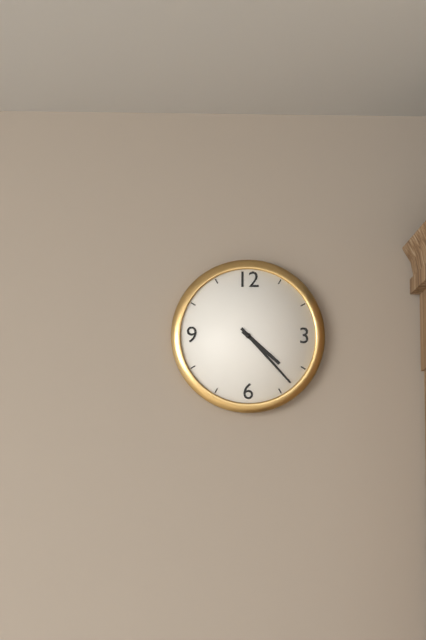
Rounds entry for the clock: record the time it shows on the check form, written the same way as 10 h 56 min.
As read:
4 h 23 min
